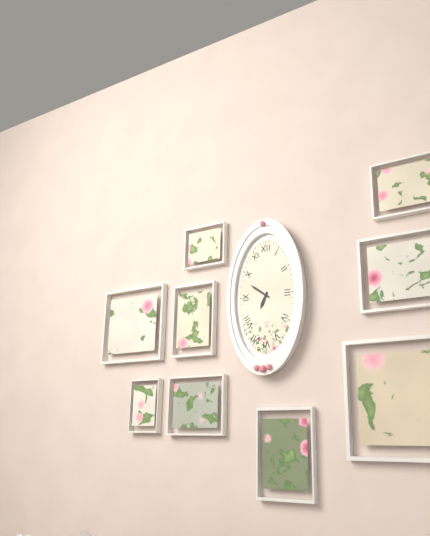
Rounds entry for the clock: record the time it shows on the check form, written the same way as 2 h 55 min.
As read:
6 h 51 min
